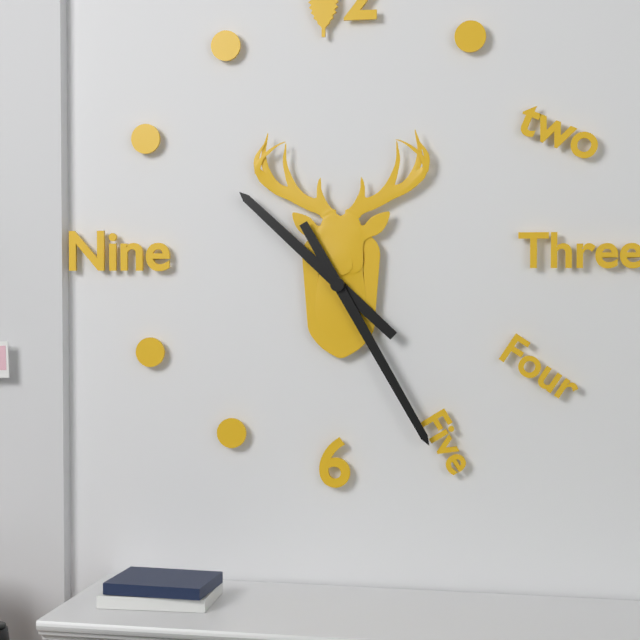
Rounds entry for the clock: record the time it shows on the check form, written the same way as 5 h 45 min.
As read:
10 h 25 min
